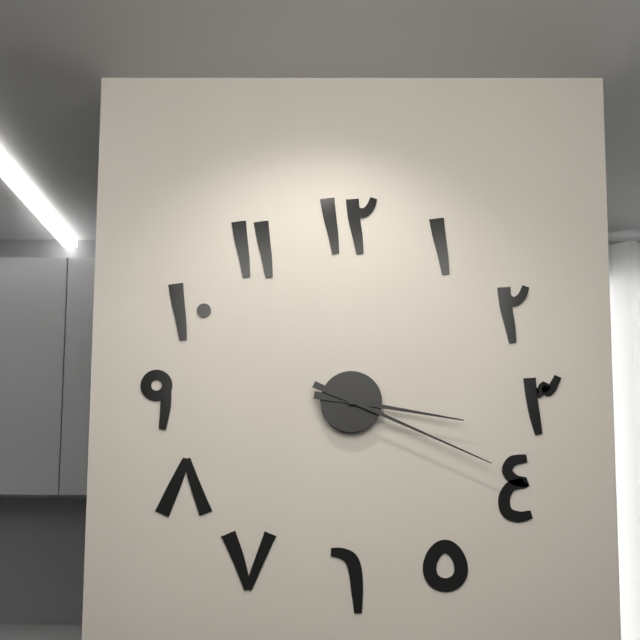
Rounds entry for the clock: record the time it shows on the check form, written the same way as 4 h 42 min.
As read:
3 h 19 min
